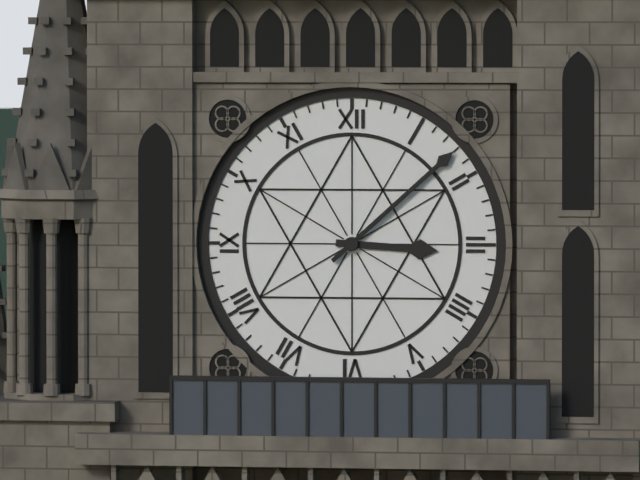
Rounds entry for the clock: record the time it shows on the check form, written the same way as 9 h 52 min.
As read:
3 h 08 min
